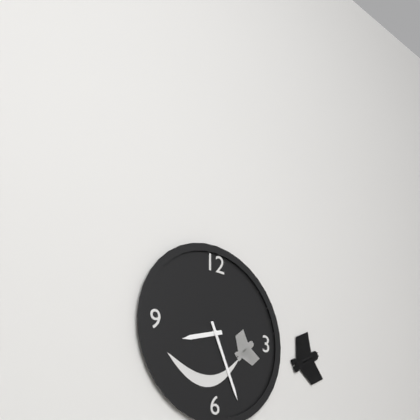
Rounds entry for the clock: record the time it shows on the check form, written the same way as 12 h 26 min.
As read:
8 h 26 min
